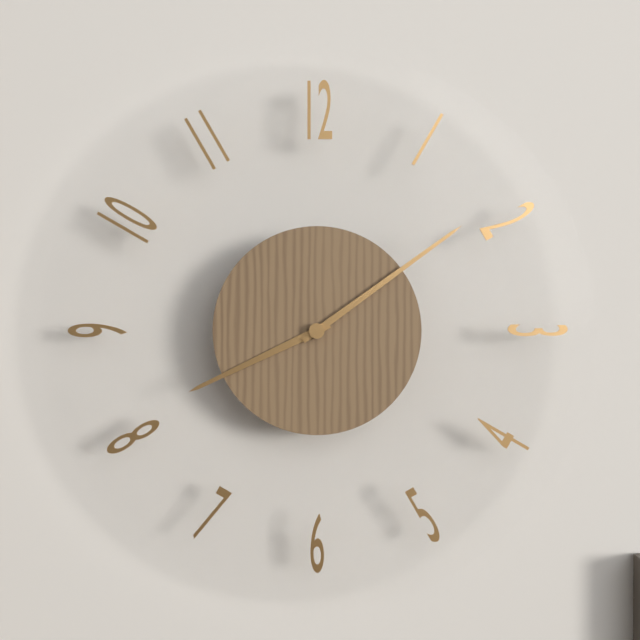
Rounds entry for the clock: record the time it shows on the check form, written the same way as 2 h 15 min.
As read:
8 h 09 min
